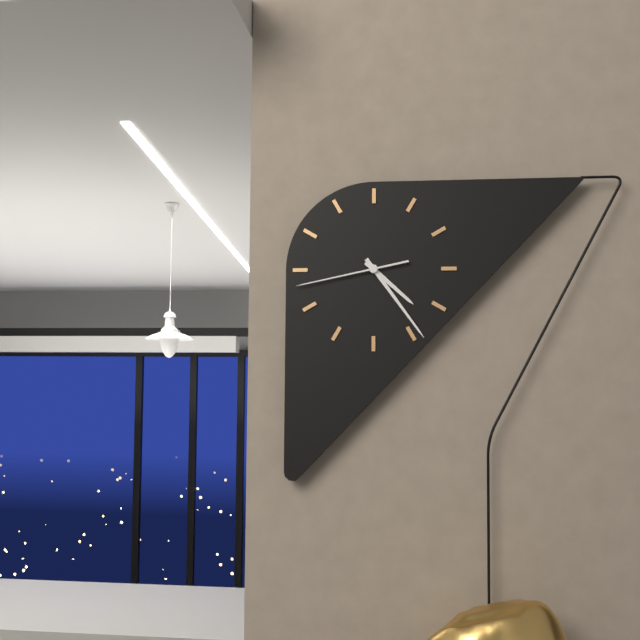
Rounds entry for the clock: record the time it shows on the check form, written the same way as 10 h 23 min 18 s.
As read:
4 h 24 min 43 s
